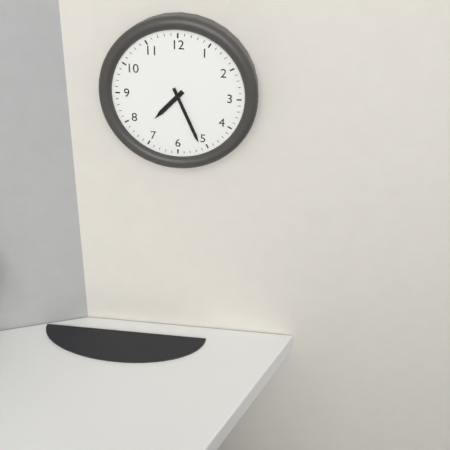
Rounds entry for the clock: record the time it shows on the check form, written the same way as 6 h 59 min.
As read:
7 h 26 min
